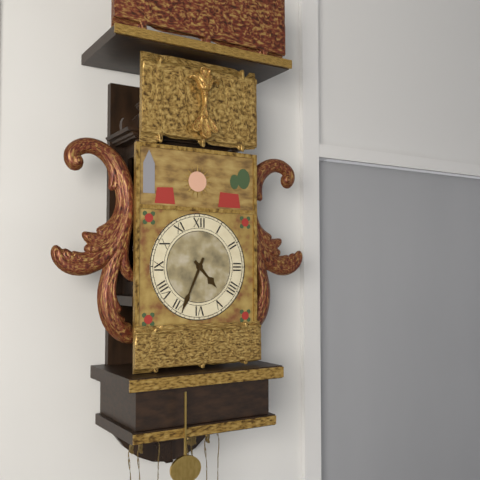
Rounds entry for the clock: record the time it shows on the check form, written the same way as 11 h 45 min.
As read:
4 h 34 min
